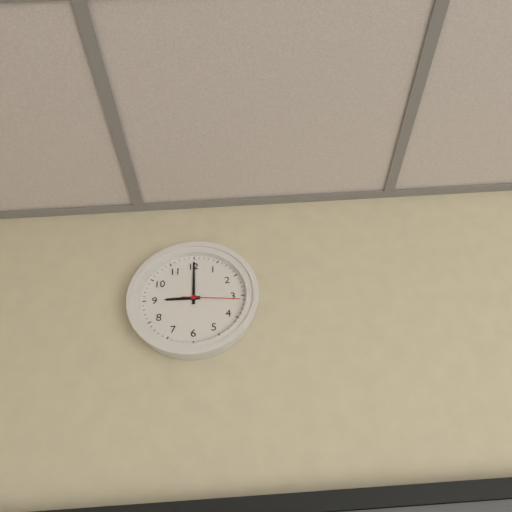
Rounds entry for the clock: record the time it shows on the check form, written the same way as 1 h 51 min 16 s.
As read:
9 h 00 min 16 s
